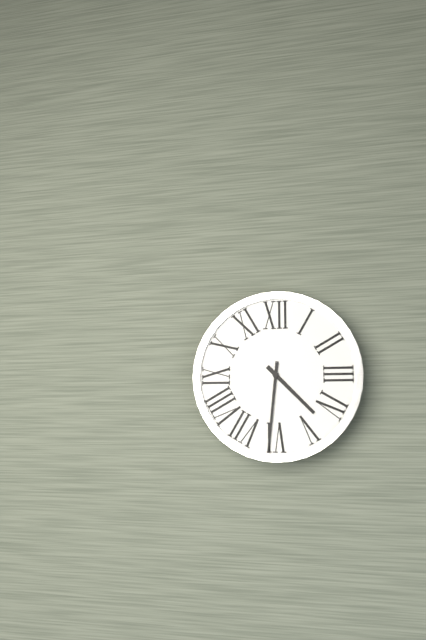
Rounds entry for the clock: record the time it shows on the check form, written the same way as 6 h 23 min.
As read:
4 h 31 min
